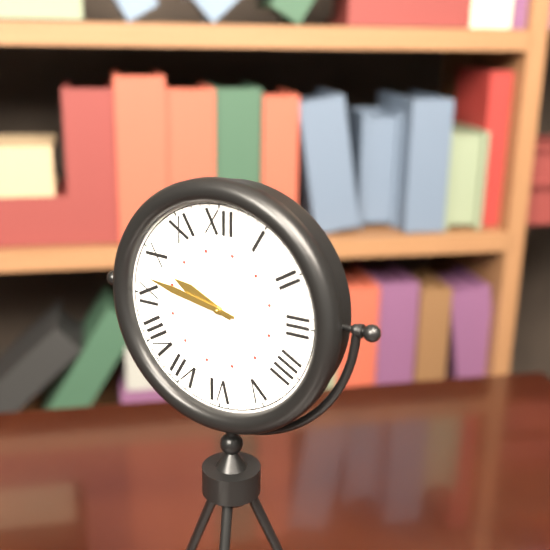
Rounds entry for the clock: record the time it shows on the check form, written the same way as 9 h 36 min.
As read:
9 h 47 min
